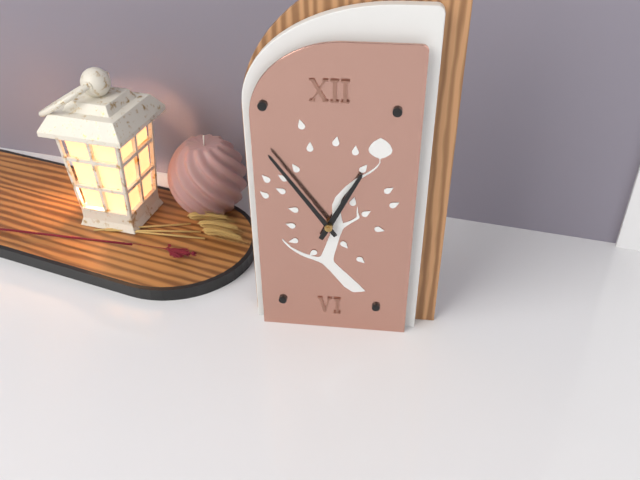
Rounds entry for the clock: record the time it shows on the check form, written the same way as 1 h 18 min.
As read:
12 h 54 min
